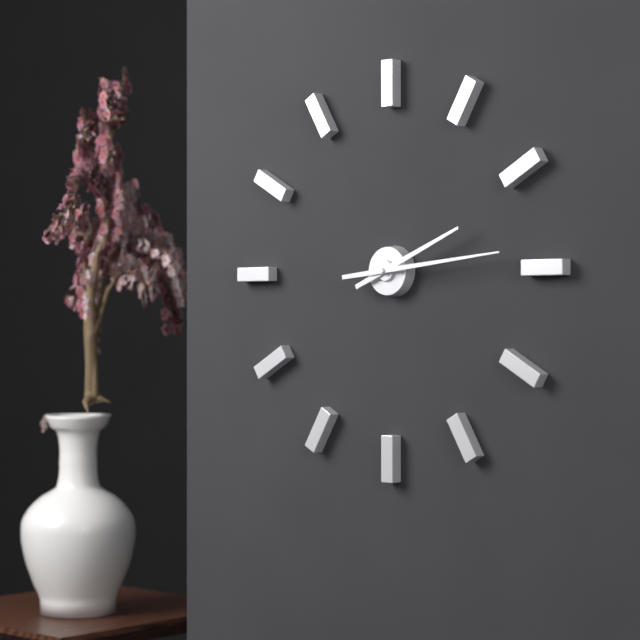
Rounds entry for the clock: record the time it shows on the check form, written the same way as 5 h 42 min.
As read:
2 h 14 min
